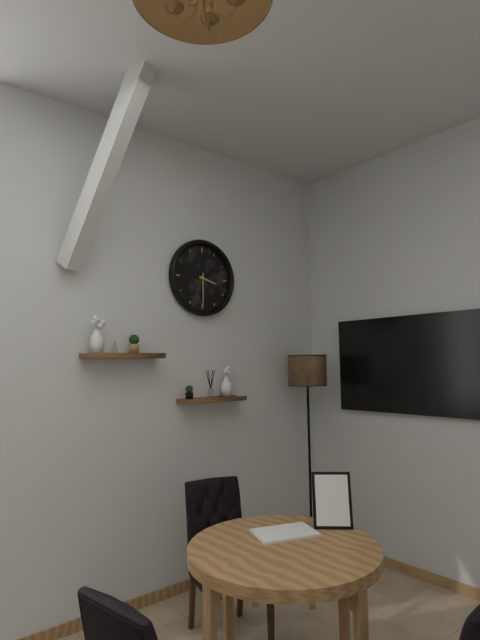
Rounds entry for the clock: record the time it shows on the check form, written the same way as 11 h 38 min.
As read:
3 h 30 min
